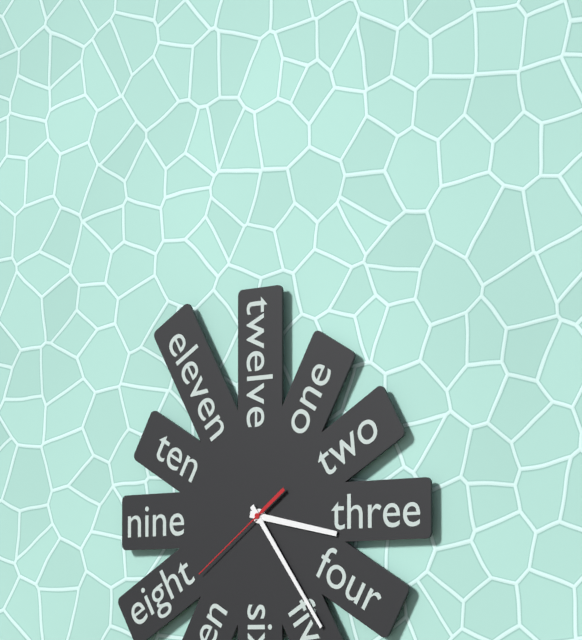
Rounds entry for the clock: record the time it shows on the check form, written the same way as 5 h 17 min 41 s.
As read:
3 h 24 min 39 s
